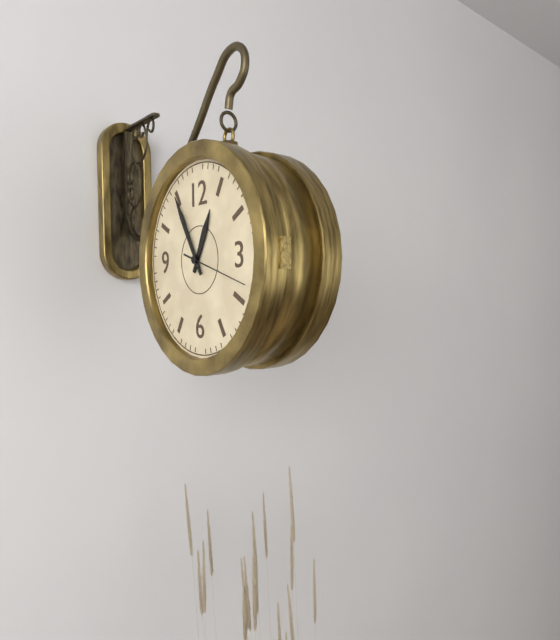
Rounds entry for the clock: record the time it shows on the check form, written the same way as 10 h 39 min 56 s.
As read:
12 h 55 min 18 s
